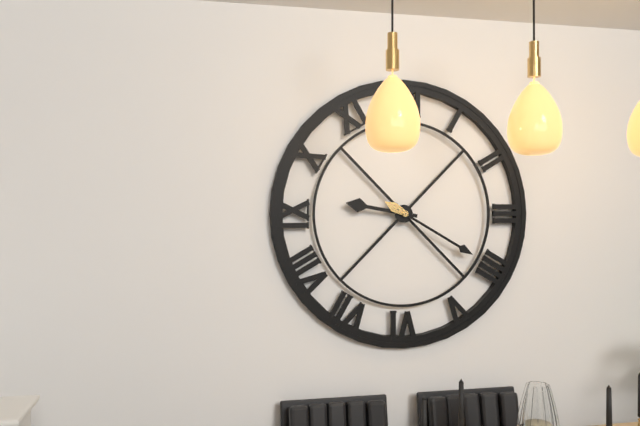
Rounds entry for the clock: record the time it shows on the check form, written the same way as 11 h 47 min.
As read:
9 h 20 min
